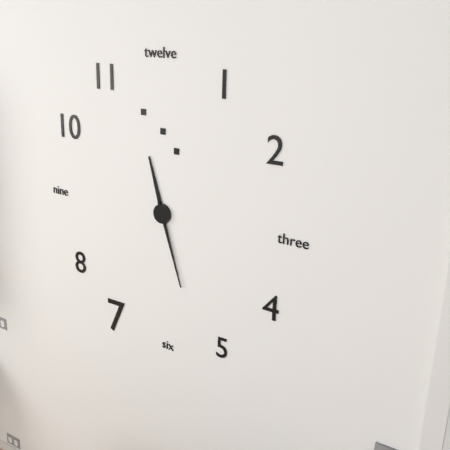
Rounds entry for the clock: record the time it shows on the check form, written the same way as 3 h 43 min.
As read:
11 h 27 min
